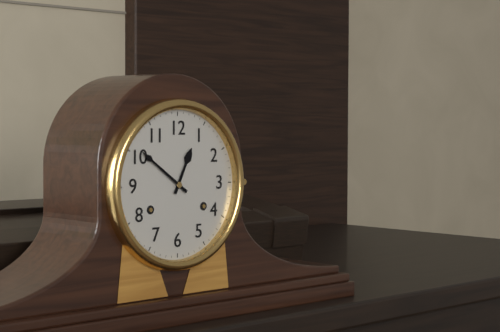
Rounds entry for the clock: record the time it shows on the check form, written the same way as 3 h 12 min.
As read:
12 h 51 min
